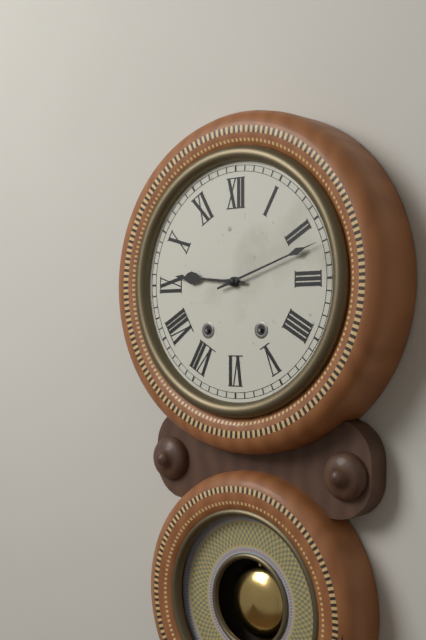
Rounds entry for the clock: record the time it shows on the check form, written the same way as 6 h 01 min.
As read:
9 h 12 min
